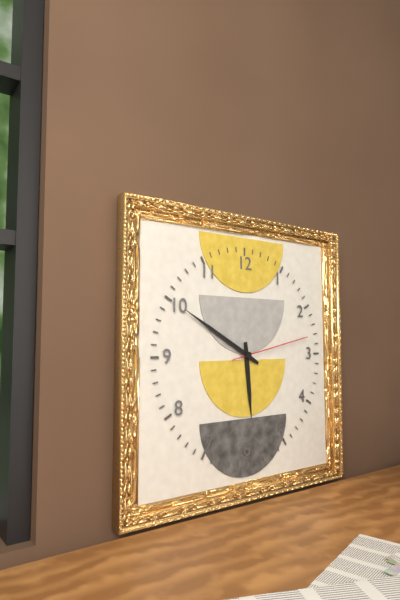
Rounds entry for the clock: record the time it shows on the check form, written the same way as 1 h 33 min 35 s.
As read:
5 h 50 min 13 s
